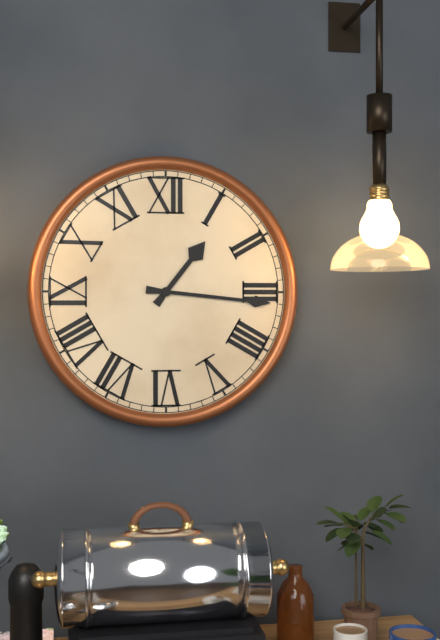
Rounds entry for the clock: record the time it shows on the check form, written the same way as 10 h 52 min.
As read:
1 h 16 min
